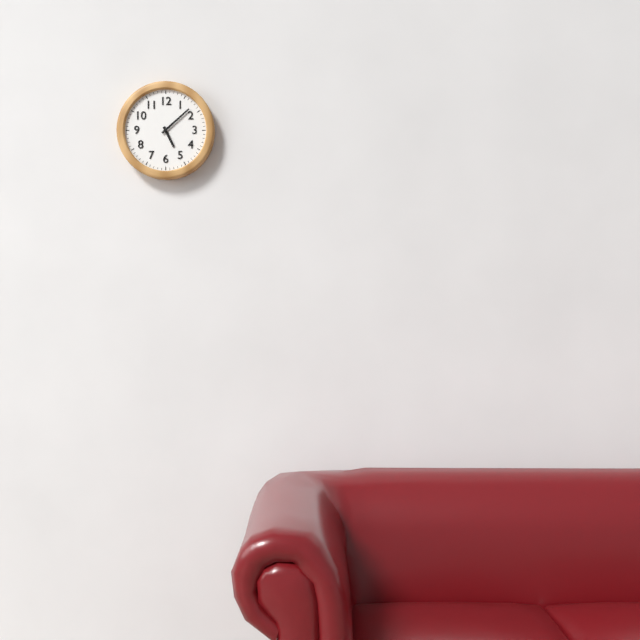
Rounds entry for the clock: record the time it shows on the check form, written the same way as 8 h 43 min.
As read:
5 h 08 min
